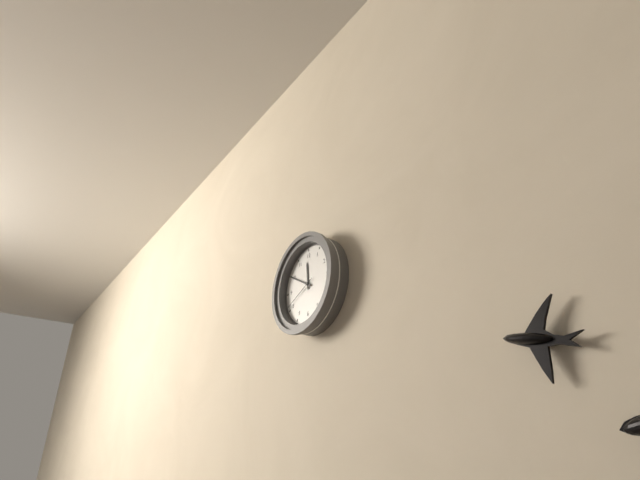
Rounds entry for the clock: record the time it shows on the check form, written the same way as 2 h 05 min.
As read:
11 h 50 min
